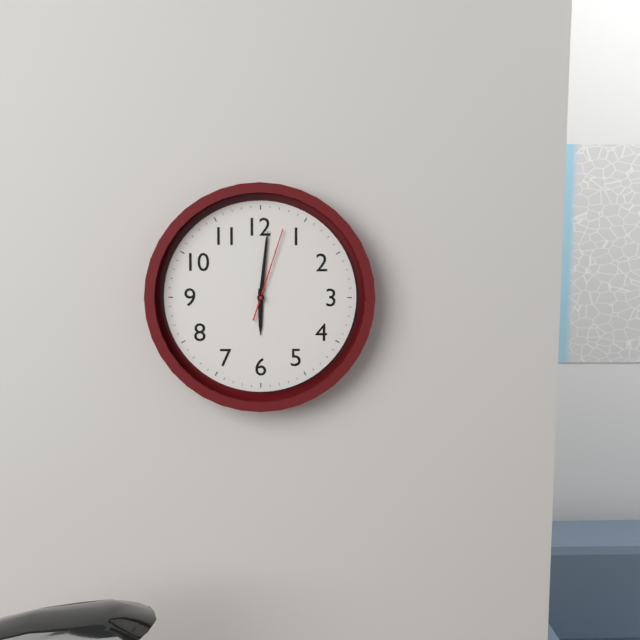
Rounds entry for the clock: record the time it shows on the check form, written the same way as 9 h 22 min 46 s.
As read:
6 h 01 min 03 s
